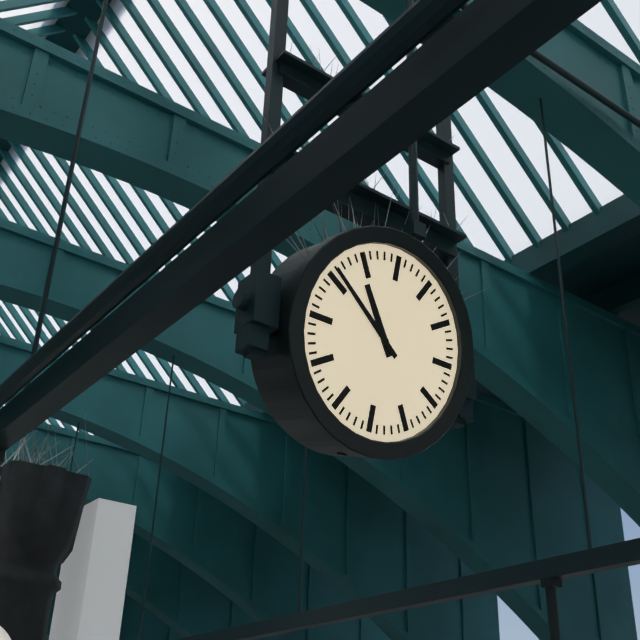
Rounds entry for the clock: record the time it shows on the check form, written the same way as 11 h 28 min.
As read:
10 h 51 min
